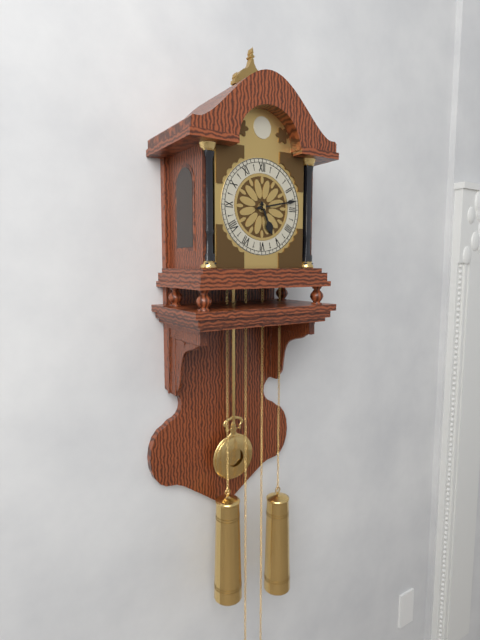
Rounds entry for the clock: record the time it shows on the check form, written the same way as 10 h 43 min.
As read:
5 h 13 min
